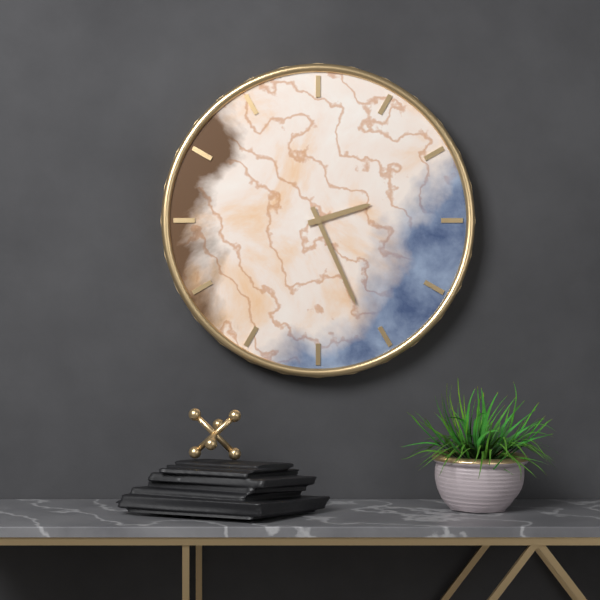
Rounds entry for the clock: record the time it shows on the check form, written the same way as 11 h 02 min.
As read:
2 h 26 min
